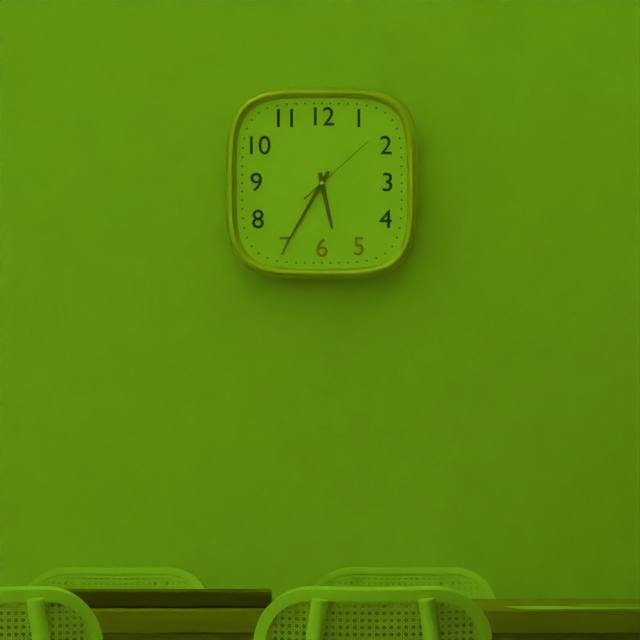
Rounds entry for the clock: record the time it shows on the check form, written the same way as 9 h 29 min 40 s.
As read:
5 h 35 min 08 s
